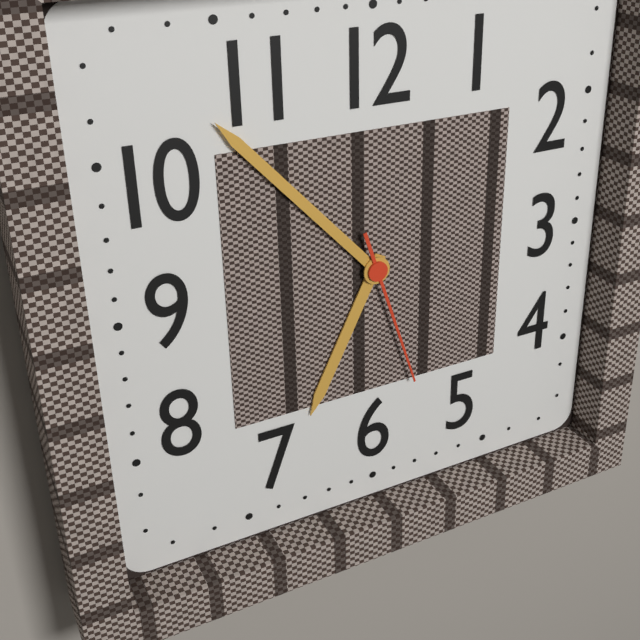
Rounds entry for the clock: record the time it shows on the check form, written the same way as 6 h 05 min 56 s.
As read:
6 h 53 min 27 s
